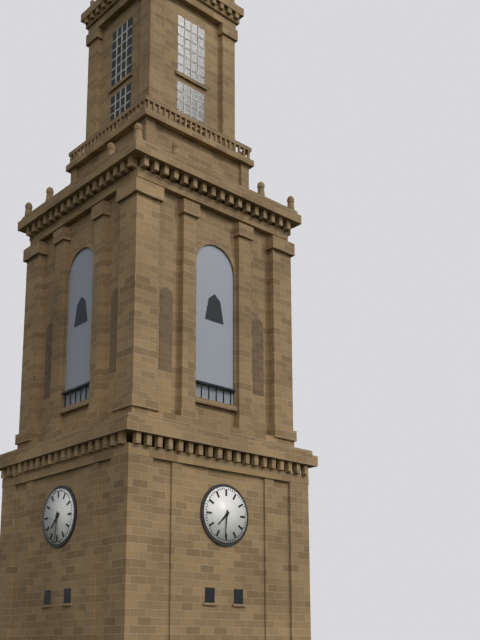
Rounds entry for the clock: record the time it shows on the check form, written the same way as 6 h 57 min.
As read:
7 h 31 min
